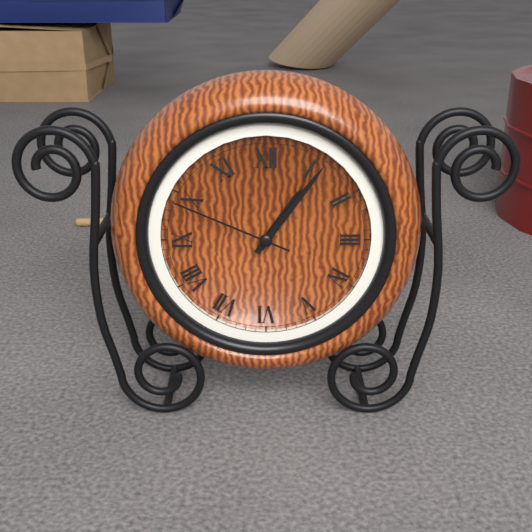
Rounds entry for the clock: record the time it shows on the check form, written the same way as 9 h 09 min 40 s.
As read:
1 h 06 min 49 s
